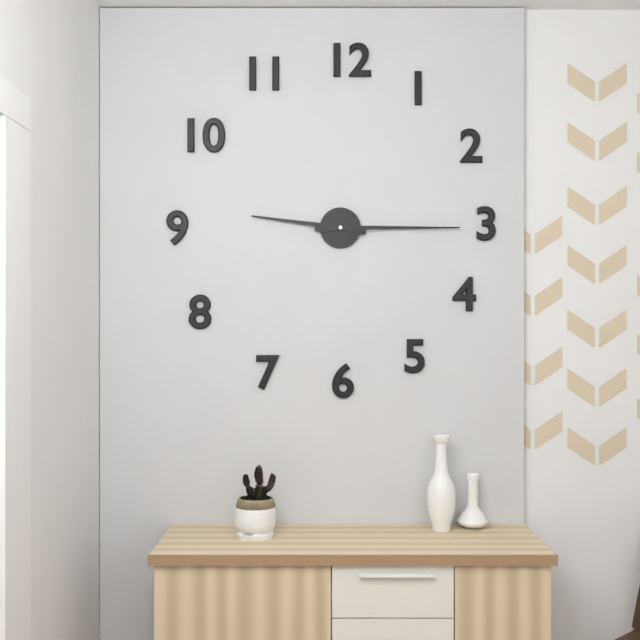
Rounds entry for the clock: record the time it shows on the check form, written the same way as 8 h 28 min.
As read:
9 h 15 min
